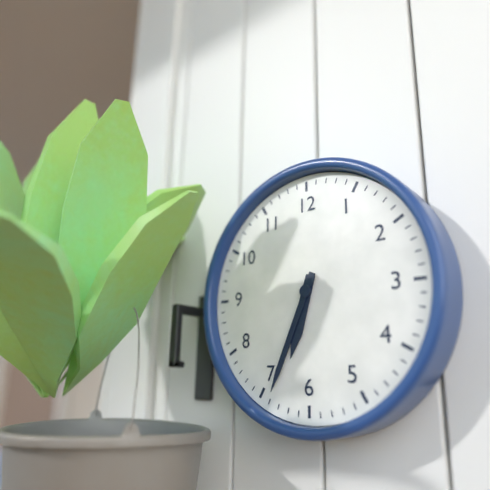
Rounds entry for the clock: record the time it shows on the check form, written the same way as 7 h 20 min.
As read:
6 h 34 min
